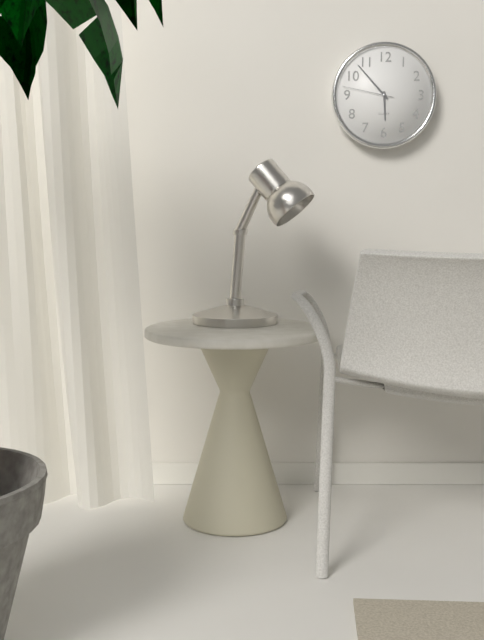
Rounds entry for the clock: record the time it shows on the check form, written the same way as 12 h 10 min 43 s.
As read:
5 h 53 min 47 s
